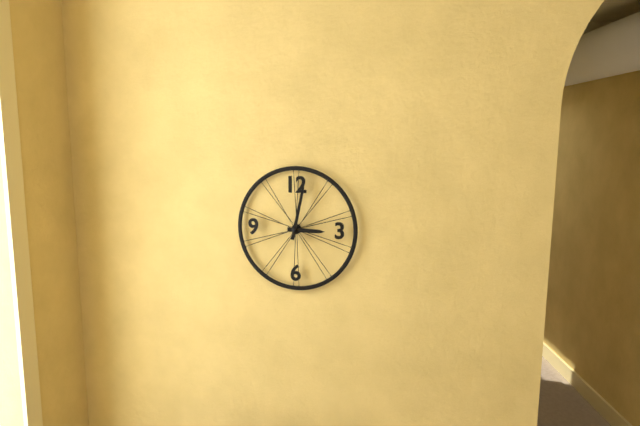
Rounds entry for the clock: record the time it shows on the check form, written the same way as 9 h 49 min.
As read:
3 h 02 min
